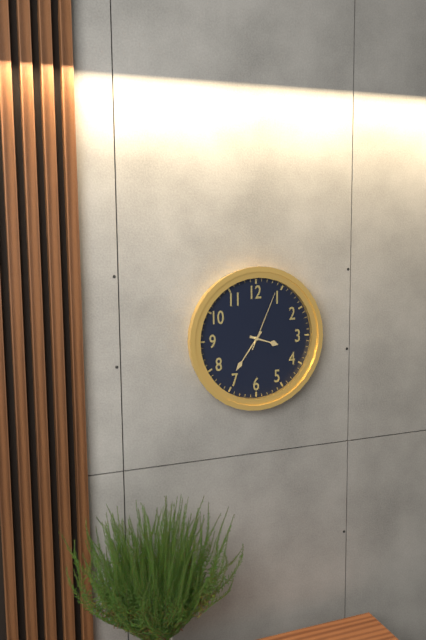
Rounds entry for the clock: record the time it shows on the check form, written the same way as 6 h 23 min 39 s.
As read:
3 h 36 min 04 s
